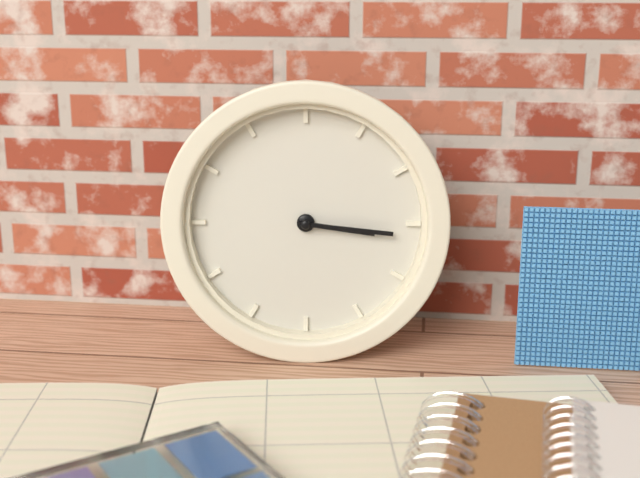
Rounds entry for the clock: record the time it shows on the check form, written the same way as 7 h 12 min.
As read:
3 h 16 min
